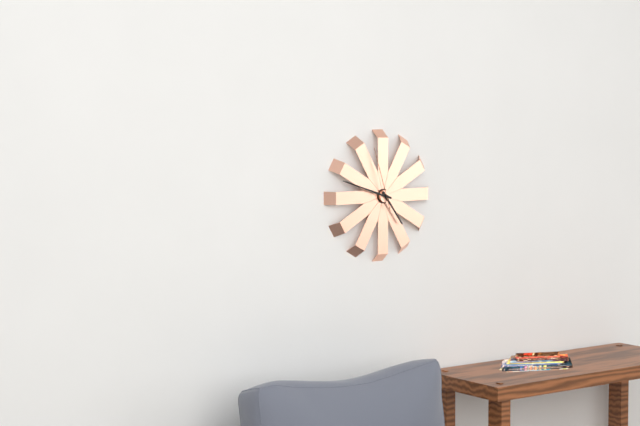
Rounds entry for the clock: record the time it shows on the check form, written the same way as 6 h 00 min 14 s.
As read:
4 h 48 min 57 s
